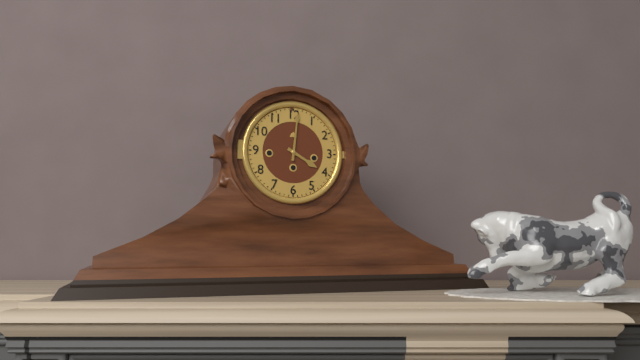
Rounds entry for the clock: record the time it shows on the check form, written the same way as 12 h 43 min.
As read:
4 h 01 min
